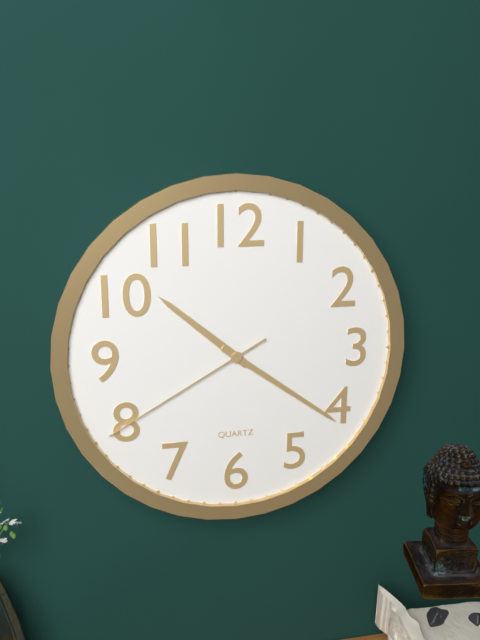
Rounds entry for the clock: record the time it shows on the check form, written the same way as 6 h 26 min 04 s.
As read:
10 h 21 min 40 s
